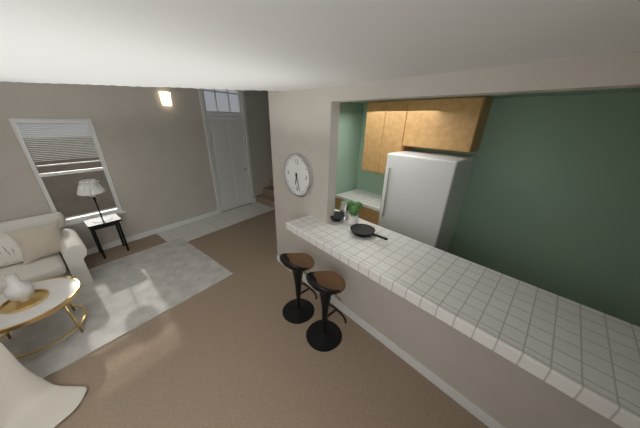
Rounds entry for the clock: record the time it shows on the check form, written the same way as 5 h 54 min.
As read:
6 h 27 min
